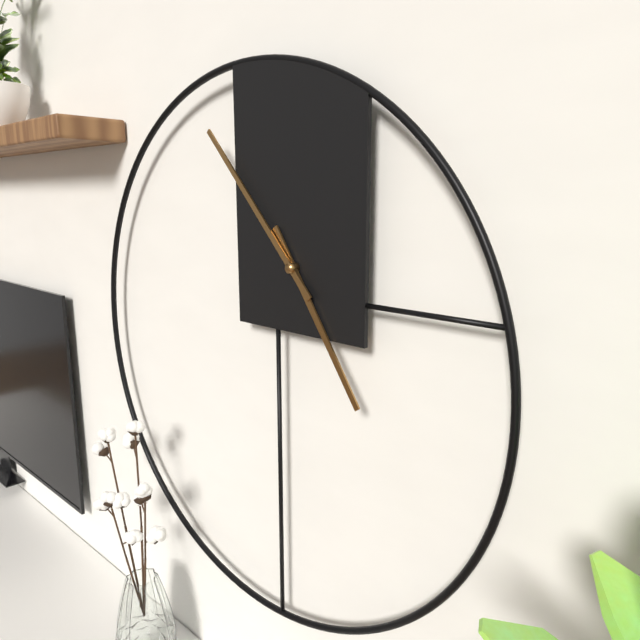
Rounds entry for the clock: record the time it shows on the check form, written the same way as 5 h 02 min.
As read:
4 h 53 min
